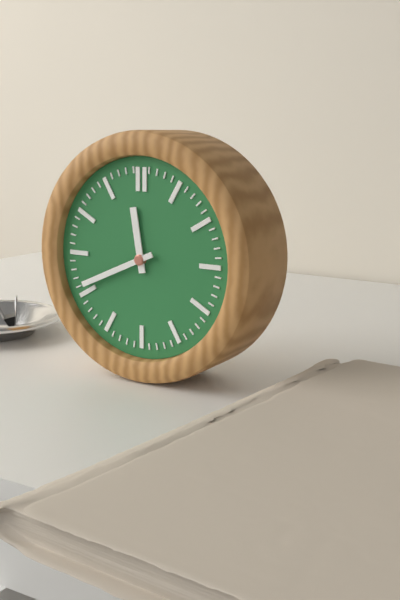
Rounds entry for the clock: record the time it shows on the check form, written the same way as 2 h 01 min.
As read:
11 h 41 min
